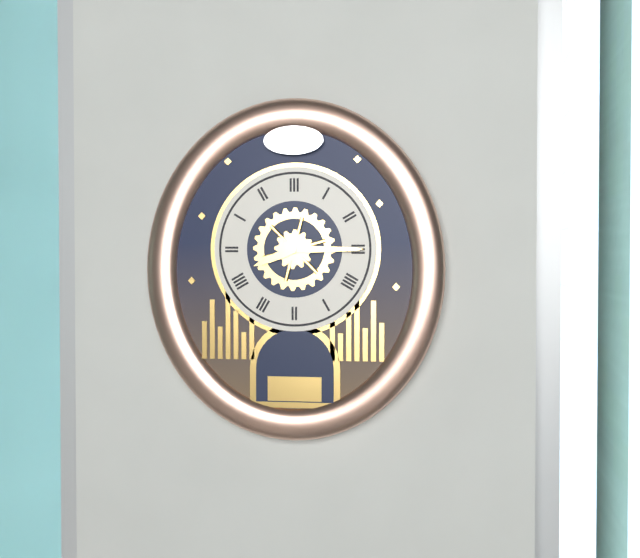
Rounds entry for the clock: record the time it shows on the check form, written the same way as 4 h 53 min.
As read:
8 h 15 min
